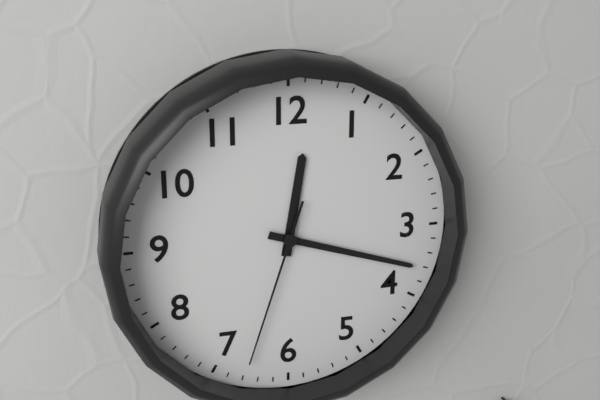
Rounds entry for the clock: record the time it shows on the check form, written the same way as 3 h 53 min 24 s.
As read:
12 h 18 min 33 s
